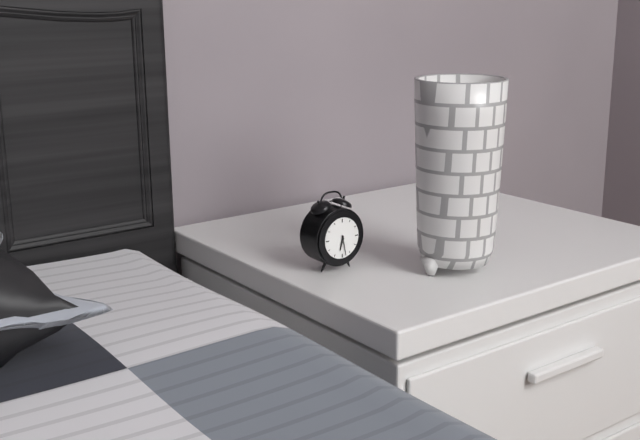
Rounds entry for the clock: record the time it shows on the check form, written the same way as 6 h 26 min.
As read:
6 h 28 min
